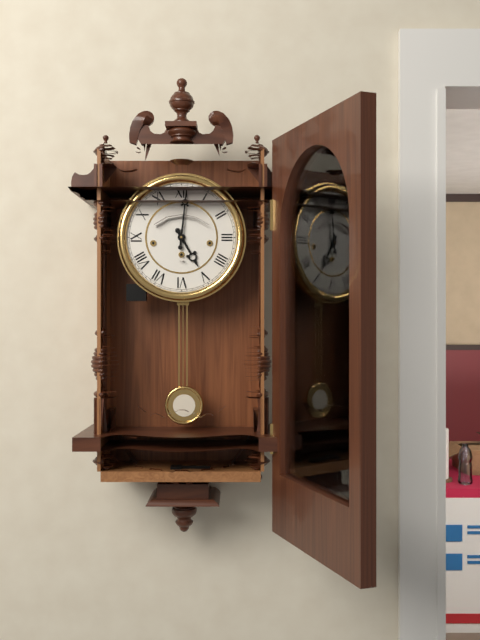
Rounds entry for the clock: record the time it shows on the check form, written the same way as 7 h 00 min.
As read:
5 h 01 min
